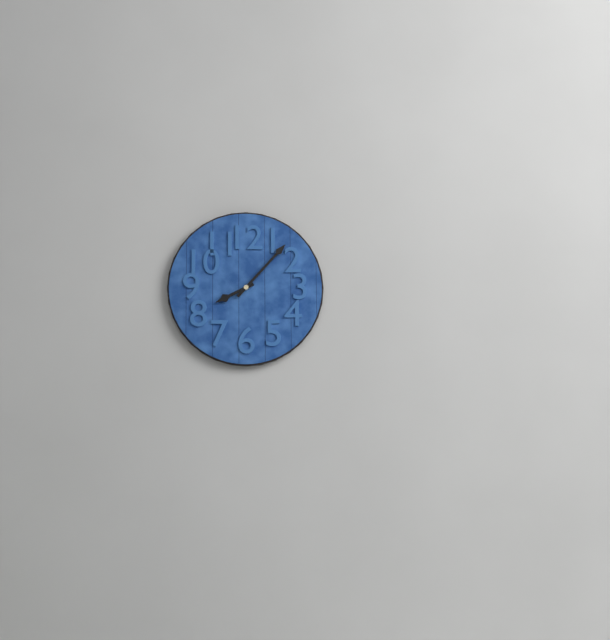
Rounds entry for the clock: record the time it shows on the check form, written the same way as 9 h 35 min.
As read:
8 h 07 min
